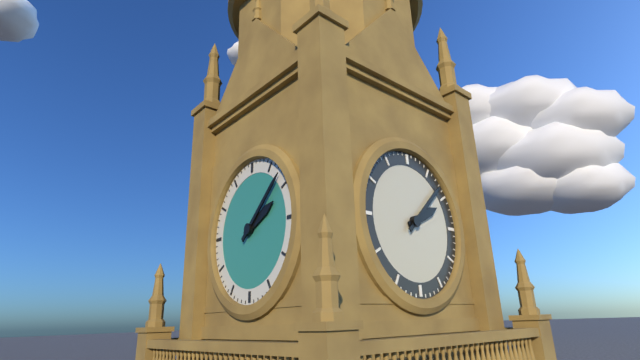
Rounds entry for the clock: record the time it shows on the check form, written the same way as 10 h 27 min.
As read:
2 h 08 min
